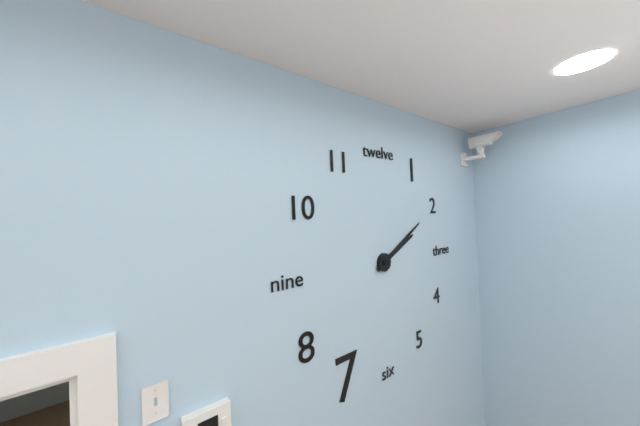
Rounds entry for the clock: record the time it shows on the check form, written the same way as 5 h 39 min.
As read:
2 h 10 min
